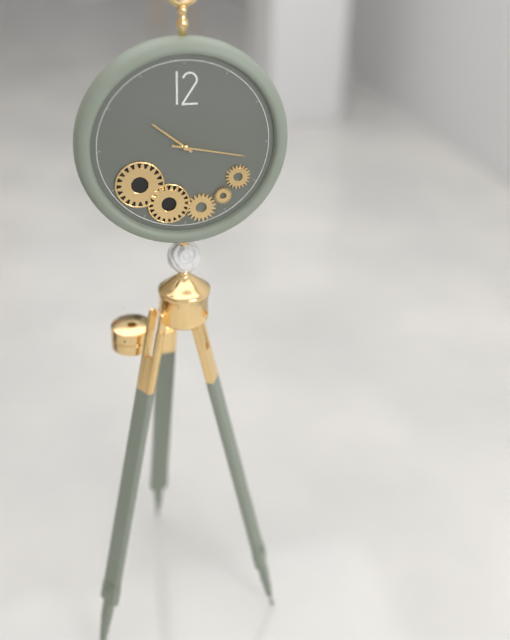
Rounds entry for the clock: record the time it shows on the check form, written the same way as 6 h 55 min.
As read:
10 h 17 min
